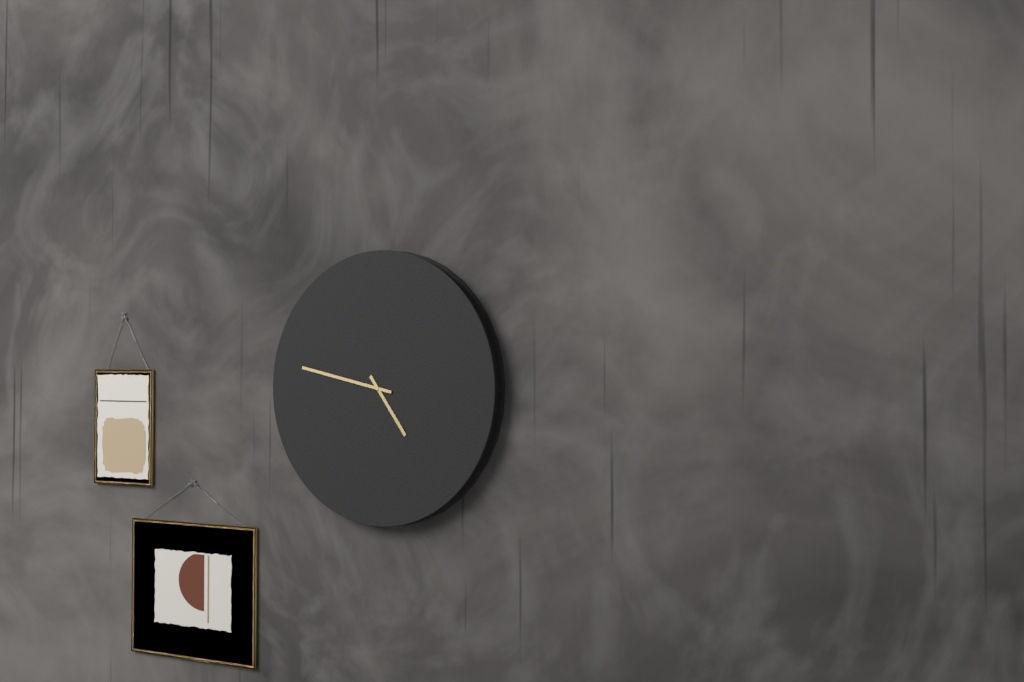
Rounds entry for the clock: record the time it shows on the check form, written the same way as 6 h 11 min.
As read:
4 h 47 min
